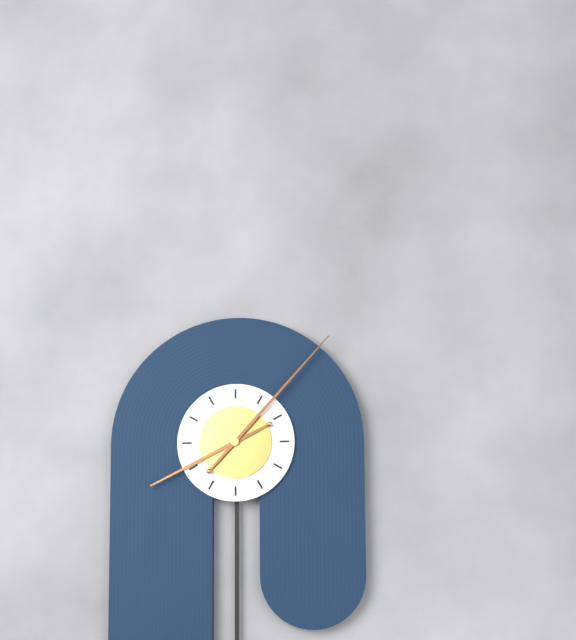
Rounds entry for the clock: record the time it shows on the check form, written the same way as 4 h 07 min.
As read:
8 h 07 min
